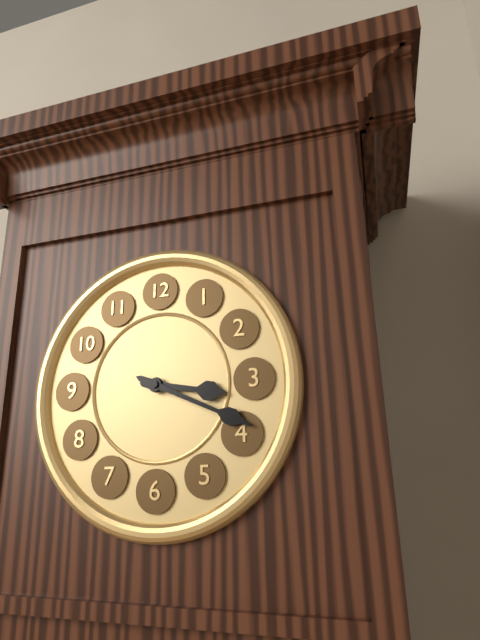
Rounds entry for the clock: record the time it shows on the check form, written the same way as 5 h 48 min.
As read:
3 h 19 min
